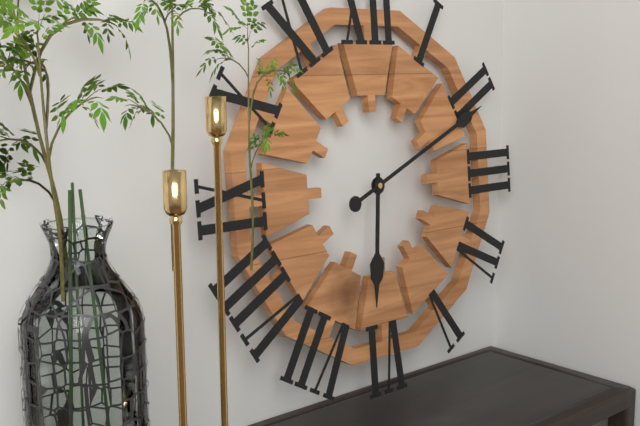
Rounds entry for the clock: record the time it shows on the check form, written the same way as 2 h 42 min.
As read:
6 h 11 min
